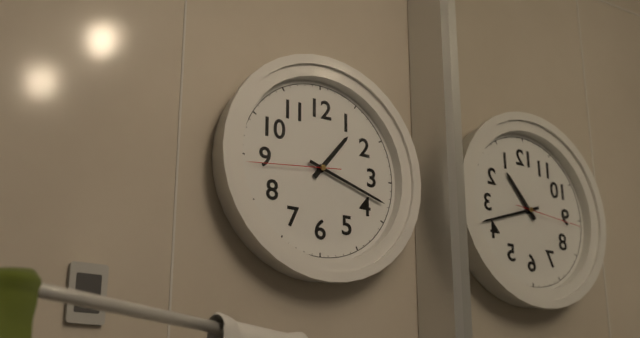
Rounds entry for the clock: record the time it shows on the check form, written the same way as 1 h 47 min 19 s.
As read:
1 h 18 min 44 s
